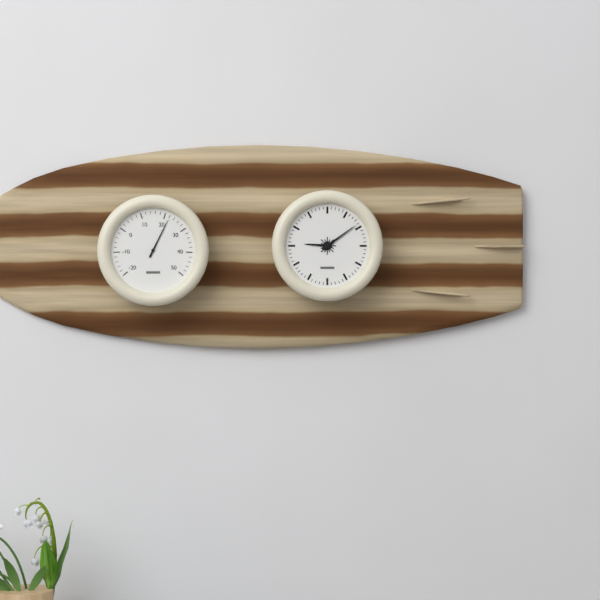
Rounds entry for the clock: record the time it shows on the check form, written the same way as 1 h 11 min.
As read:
9 h 09 min
